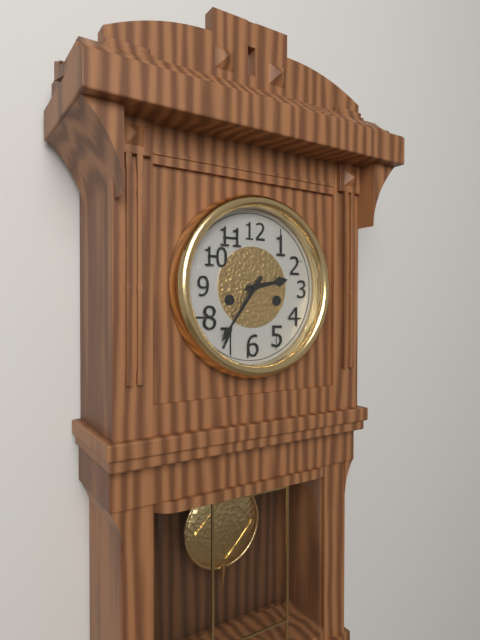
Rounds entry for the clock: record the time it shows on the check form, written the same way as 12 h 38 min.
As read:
2 h 36 min
